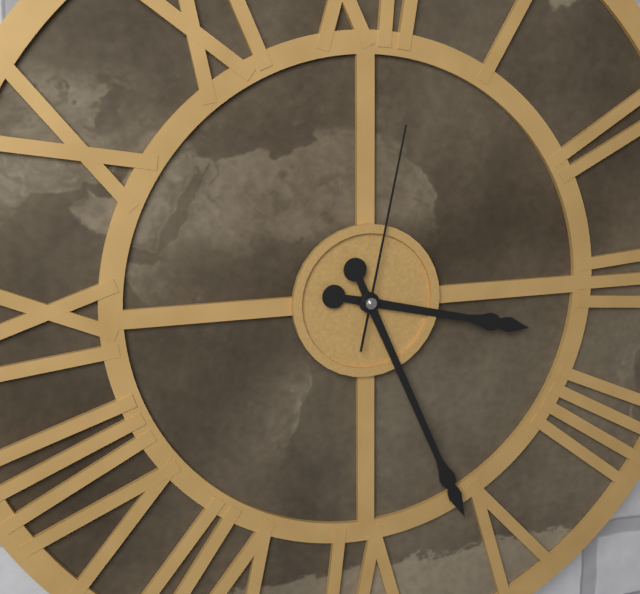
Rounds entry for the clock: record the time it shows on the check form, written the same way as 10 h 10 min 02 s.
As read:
3 h 26 min 02 s
